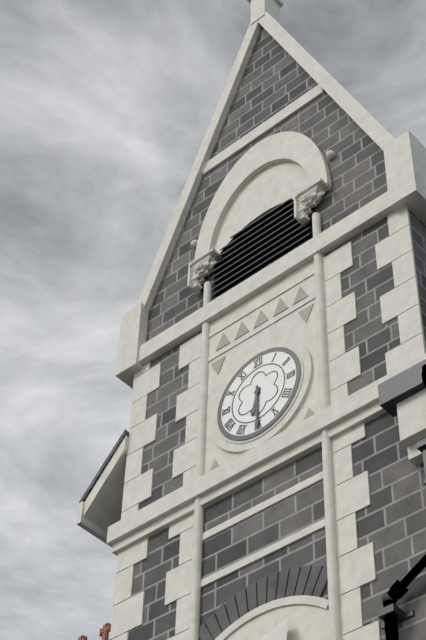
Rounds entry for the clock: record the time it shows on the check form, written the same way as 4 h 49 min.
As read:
6 h 30 min
